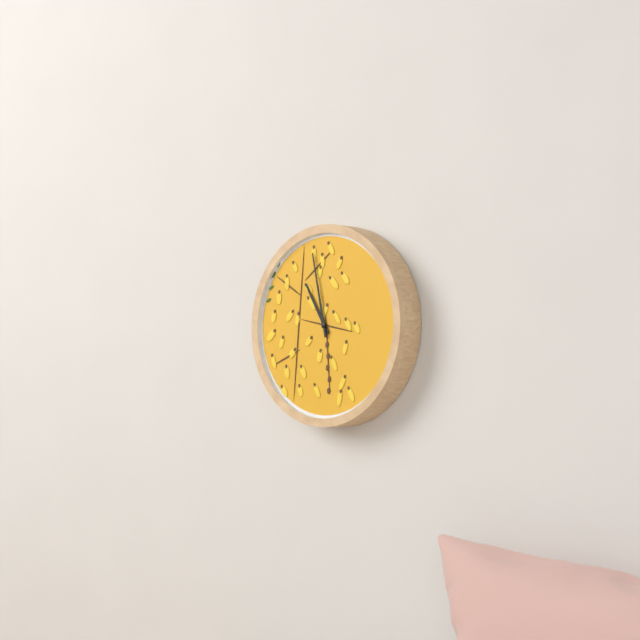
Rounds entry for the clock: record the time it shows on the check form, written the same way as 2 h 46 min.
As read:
10 h 58 min
